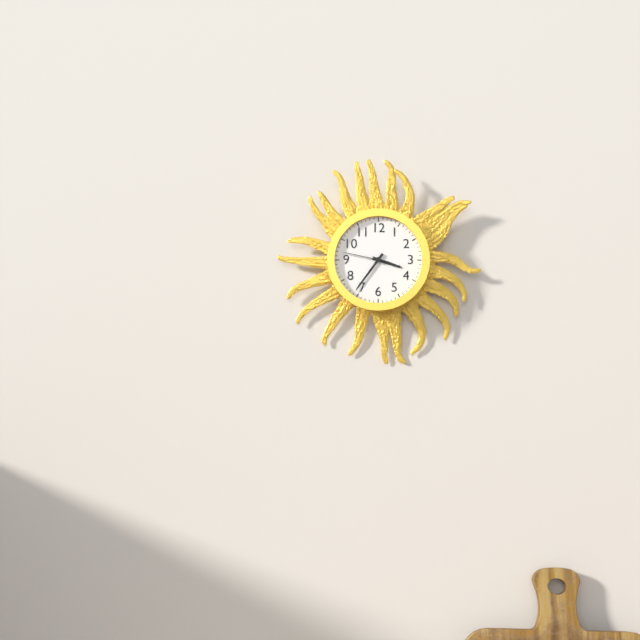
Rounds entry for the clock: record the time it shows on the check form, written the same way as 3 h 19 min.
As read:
3 h 36 min
